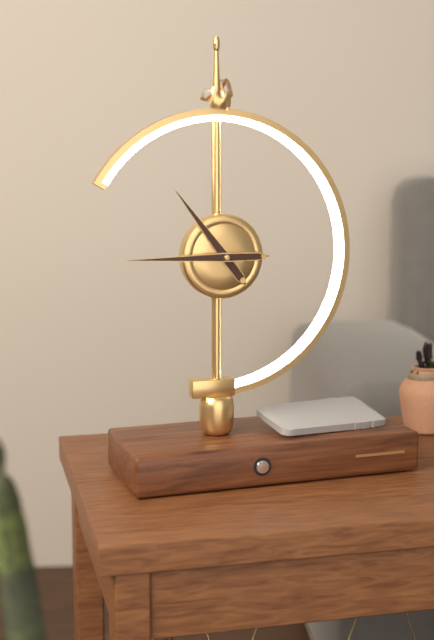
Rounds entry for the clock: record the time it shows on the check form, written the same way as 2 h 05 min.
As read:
10 h 45 min
